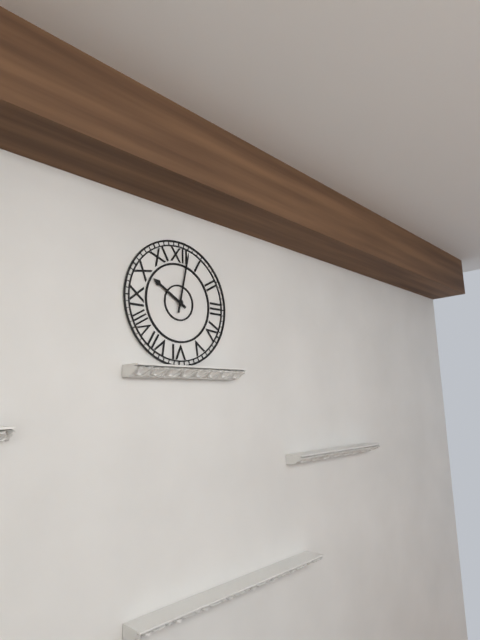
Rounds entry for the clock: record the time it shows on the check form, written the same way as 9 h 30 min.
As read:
10 h 02 min
